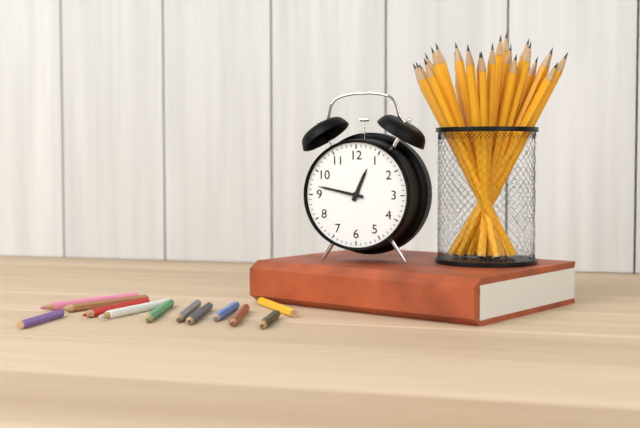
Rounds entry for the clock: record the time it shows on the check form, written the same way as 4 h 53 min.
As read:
12 h 47 min
